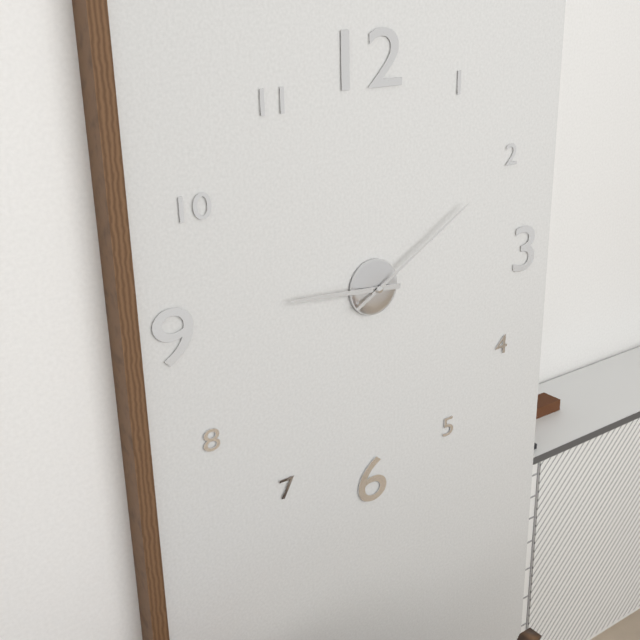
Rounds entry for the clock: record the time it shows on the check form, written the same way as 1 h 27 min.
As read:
9 h 10 min
